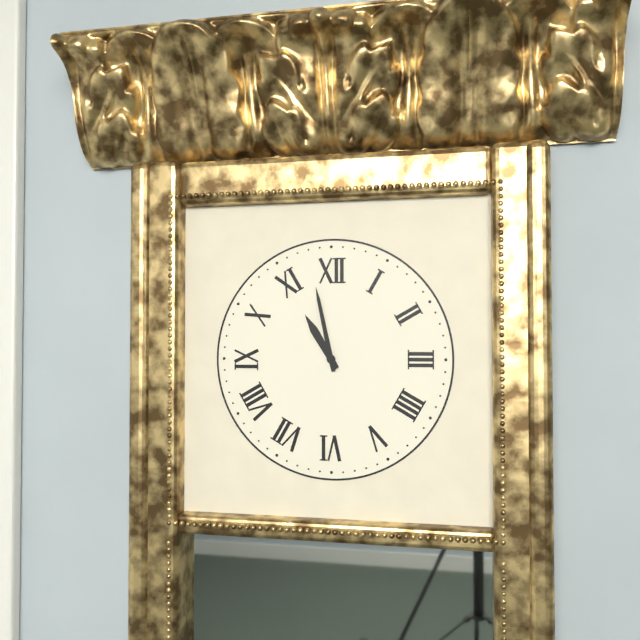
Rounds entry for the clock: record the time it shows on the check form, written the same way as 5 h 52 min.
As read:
10 h 58 min
